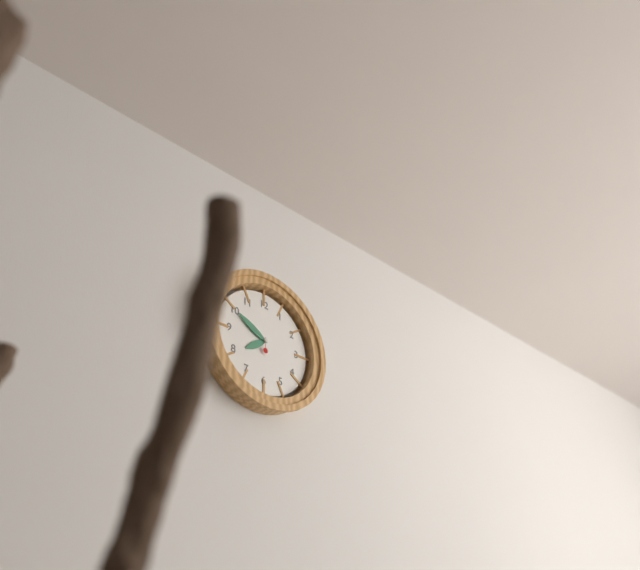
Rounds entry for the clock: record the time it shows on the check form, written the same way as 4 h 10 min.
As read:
7 h 50 min
